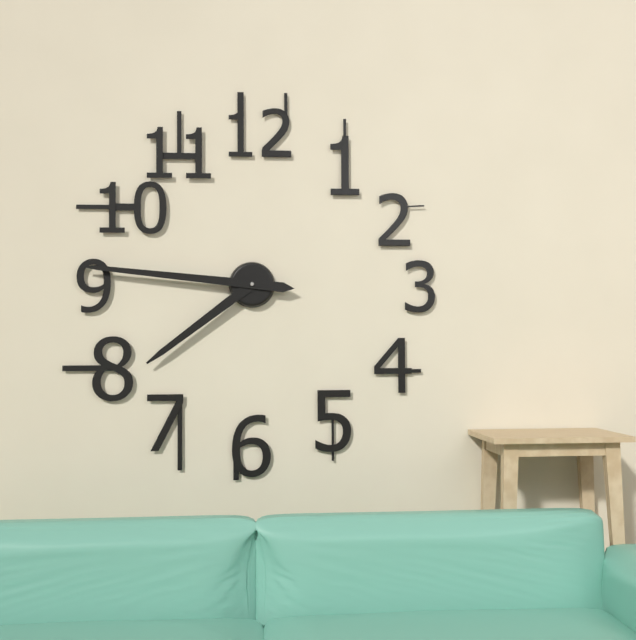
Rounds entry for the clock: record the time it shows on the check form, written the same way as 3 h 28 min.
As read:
7 h 46 min
